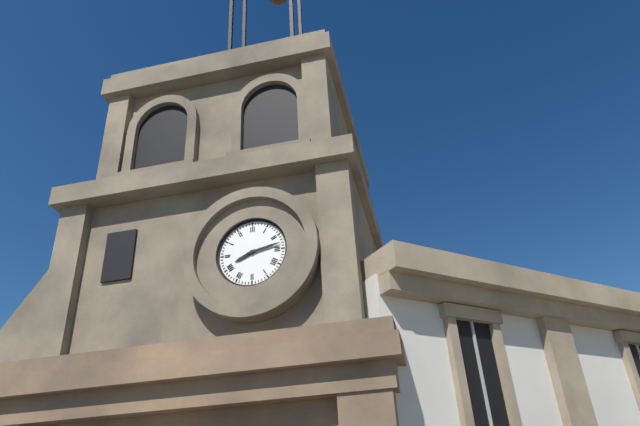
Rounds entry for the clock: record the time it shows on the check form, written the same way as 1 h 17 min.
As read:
8 h 13 min
